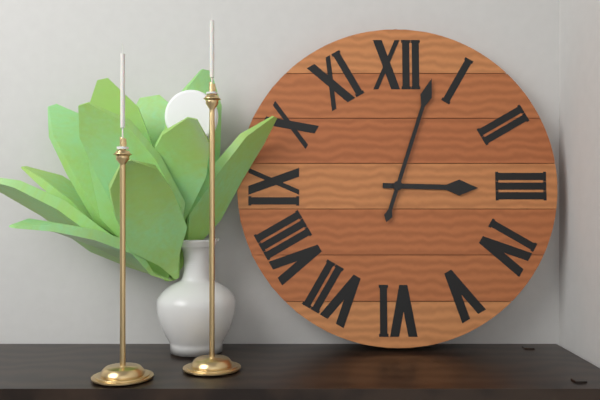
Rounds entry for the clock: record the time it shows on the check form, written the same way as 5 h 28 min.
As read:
3 h 03 min
